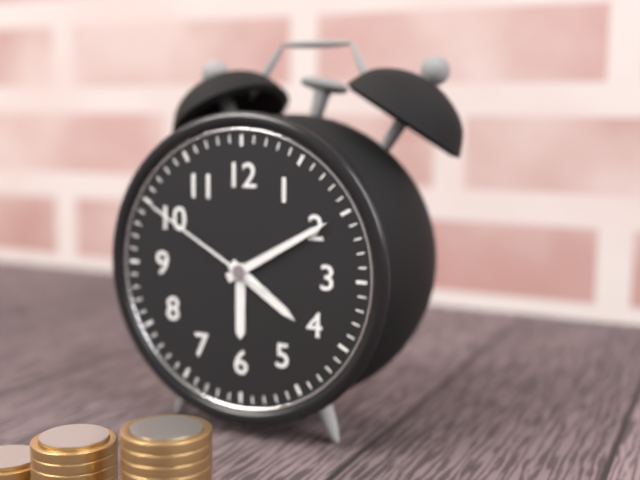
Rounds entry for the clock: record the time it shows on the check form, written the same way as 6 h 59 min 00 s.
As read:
4 h 10 min 50 s
